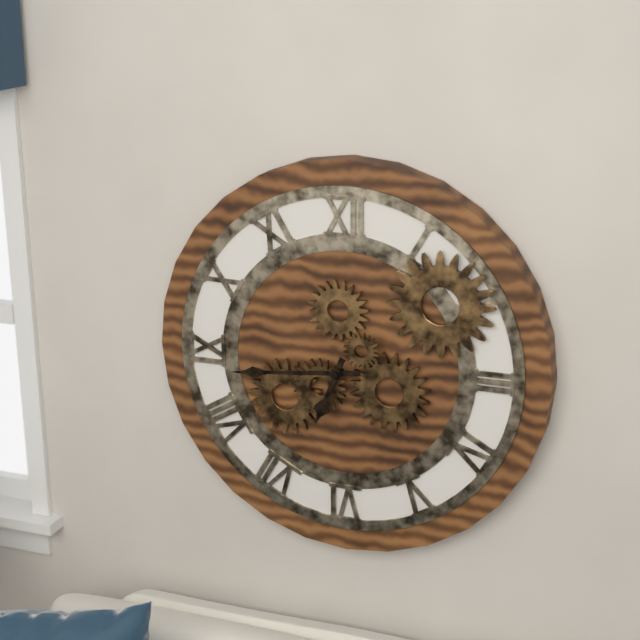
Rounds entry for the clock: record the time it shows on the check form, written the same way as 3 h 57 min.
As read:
6 h 44 min
